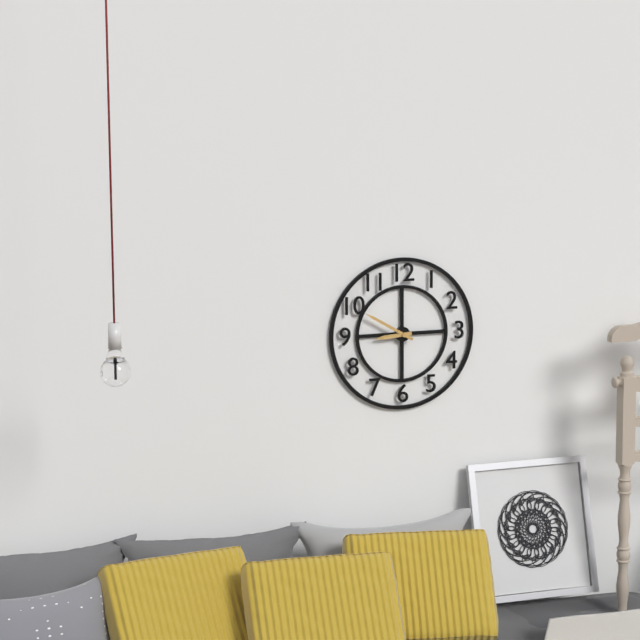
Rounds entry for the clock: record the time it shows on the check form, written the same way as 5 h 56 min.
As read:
8 h 50 min
